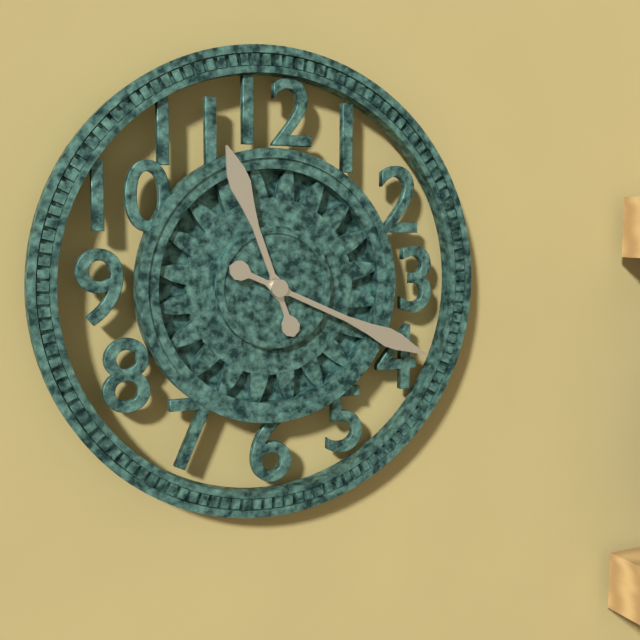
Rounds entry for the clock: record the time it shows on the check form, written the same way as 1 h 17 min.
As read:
11 h 19 min
